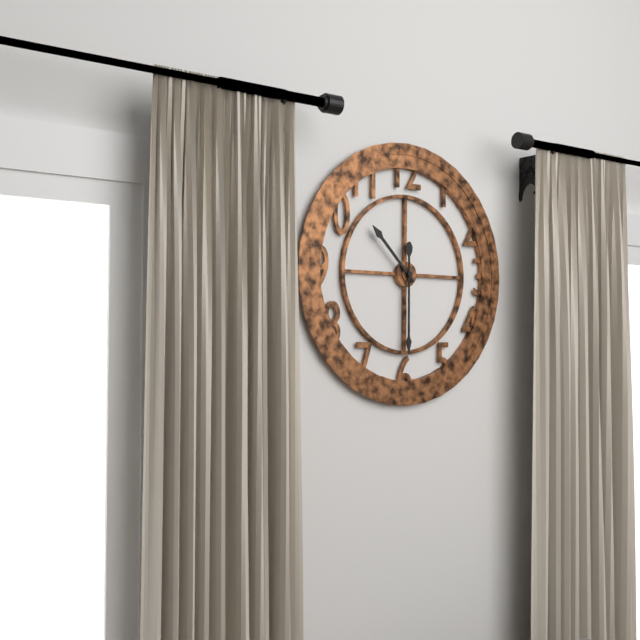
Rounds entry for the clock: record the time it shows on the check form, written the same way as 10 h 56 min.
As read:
10 h 30 min
